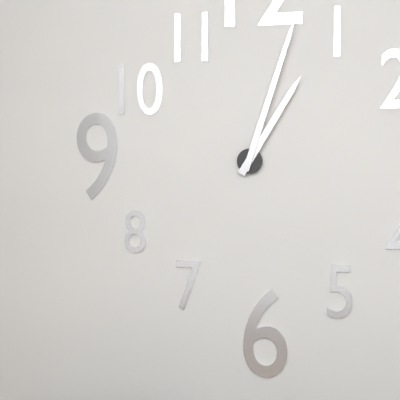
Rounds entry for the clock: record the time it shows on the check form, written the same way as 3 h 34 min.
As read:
1 h 03 min
